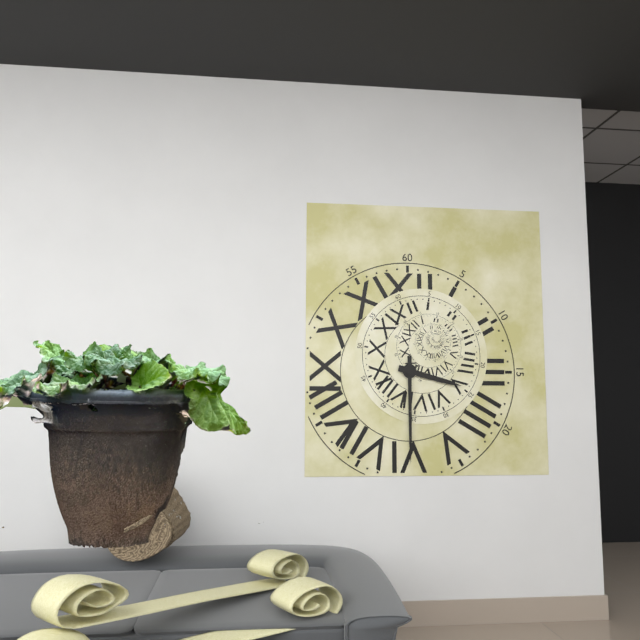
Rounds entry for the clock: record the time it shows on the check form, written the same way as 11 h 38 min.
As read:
3 h 30 min
